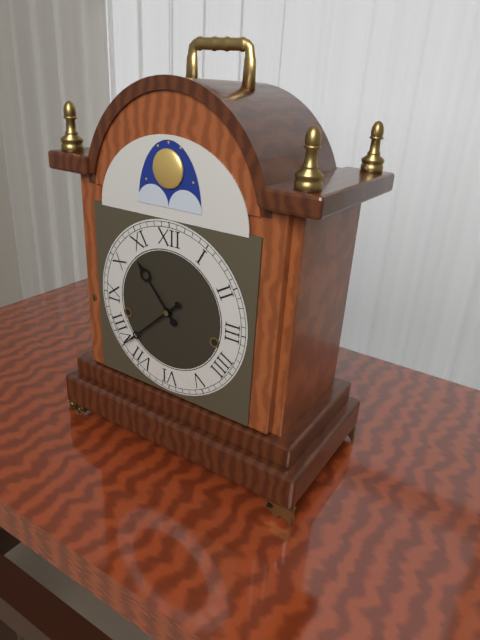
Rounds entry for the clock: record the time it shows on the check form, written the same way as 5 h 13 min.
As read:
10 h 38 min
